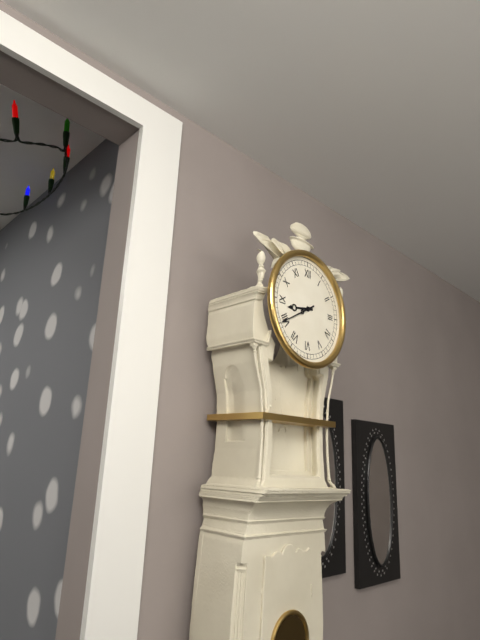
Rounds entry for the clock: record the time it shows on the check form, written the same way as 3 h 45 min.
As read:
8 h 40 min
